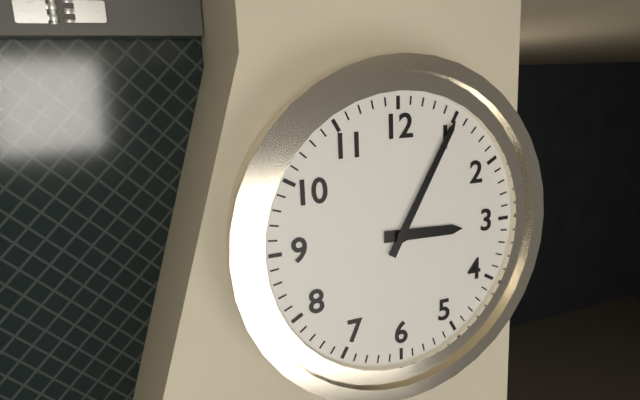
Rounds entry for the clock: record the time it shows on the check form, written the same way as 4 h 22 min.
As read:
3 h 05 min
